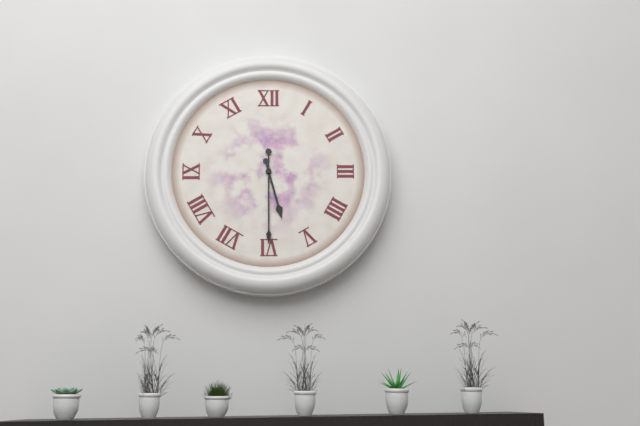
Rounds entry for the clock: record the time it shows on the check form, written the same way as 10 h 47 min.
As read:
5 h 30 min
